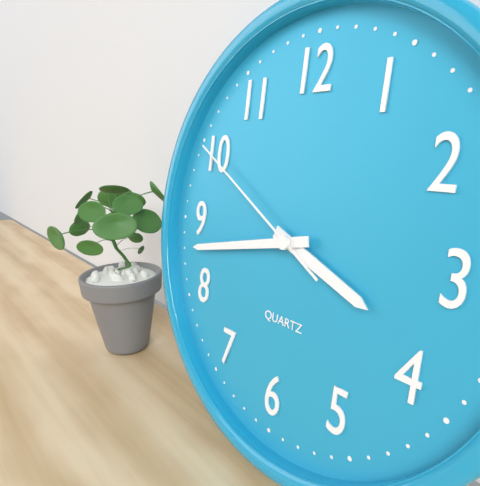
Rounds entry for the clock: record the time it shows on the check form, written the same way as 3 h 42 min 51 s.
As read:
3 h 43 min 50 s
